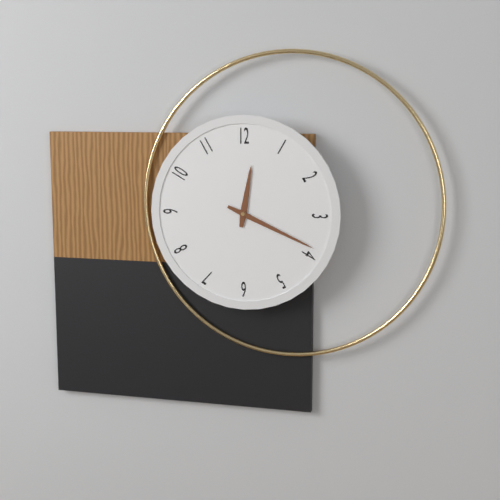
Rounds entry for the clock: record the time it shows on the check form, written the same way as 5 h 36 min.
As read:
12 h 19 min
